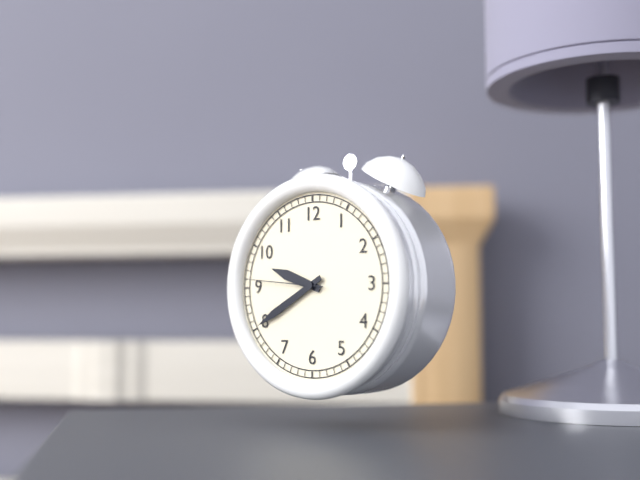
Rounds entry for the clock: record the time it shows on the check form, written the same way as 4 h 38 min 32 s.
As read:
9 h 40 min 46 s
